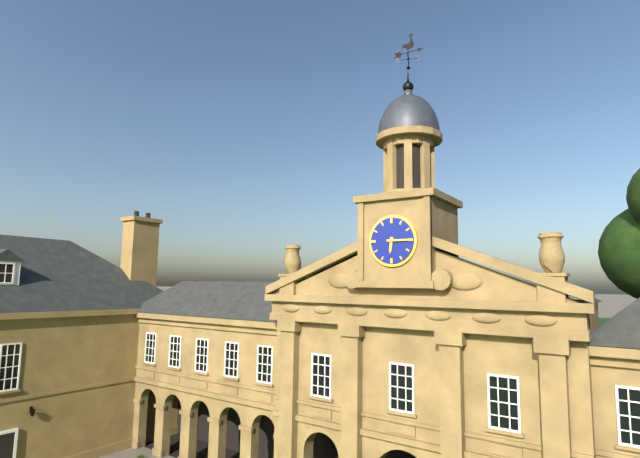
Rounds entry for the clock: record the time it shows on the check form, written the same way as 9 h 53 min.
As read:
6 h 15 min
